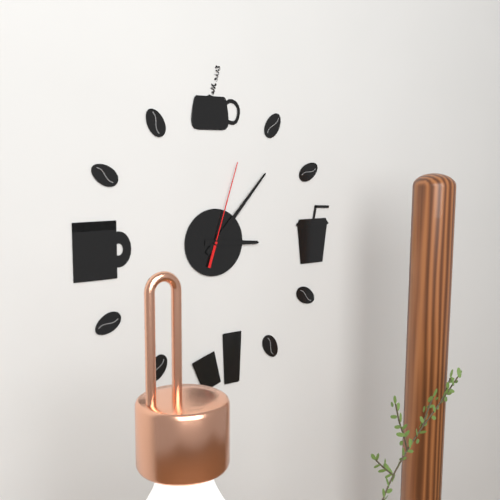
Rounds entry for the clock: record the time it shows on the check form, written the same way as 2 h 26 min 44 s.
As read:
3 h 07 min 03 s
